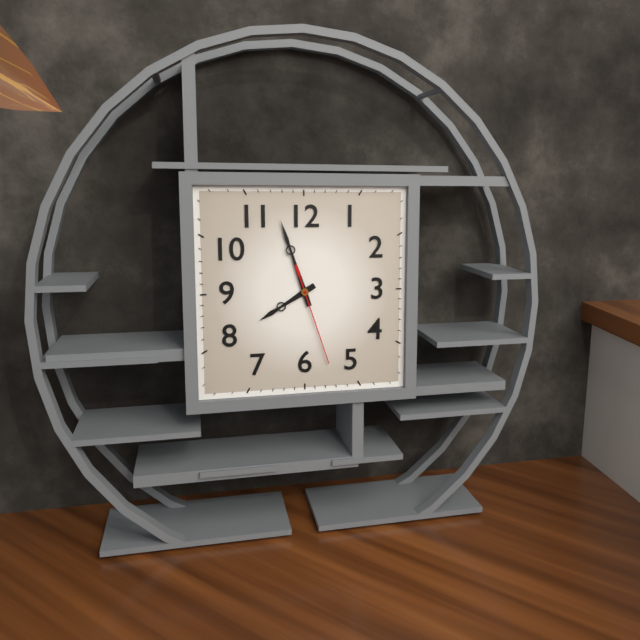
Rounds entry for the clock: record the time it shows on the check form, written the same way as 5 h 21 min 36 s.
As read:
7 h 57 min 27 s
